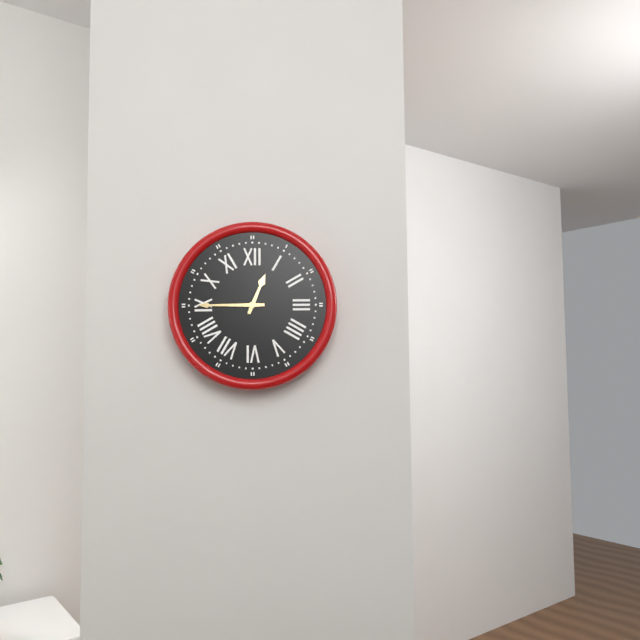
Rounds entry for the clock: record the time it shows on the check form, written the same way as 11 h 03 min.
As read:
12 h 45 min
